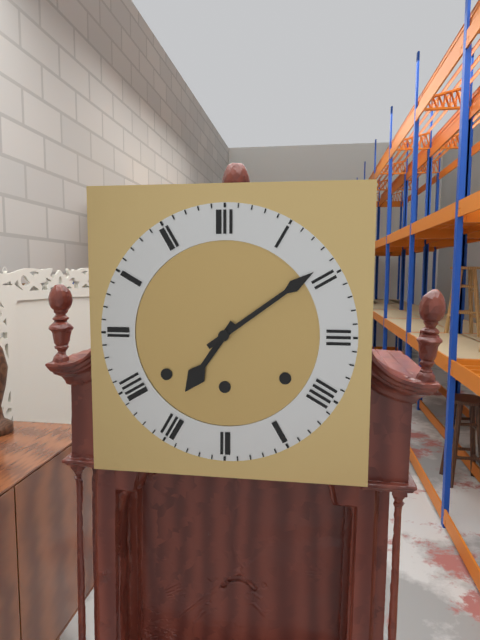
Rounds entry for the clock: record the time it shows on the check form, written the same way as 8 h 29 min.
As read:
7 h 09 min
